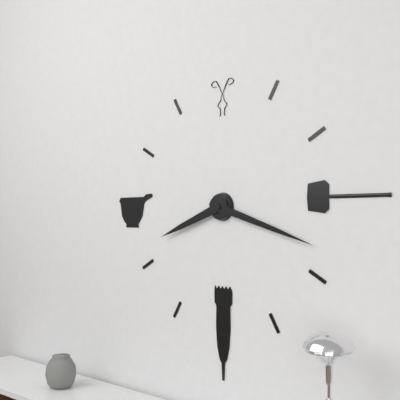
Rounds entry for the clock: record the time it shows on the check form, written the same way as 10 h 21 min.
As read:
8 h 18 min
